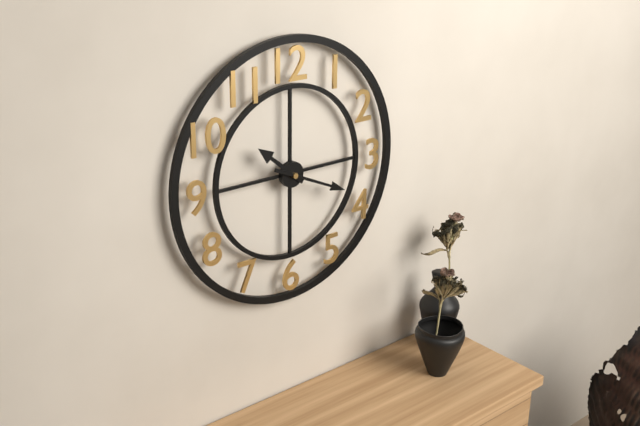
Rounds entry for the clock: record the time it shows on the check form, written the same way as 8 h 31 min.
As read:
10 h 19 min
